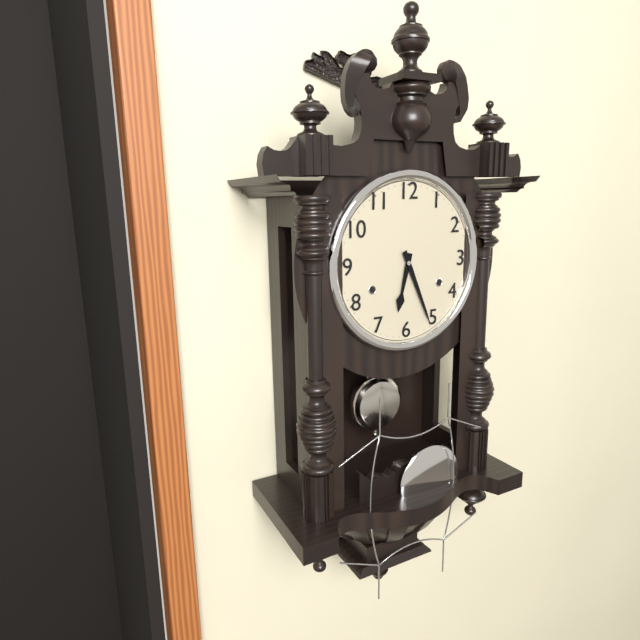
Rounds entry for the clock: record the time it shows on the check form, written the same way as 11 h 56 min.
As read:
6 h 26 min
